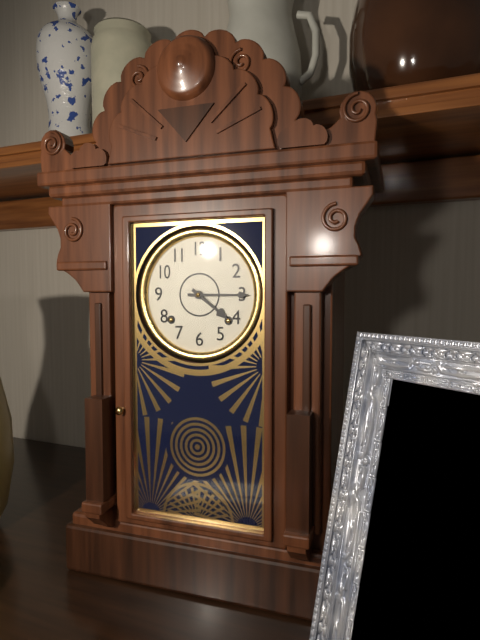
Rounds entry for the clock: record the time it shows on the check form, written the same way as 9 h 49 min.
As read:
4 h 15 min
